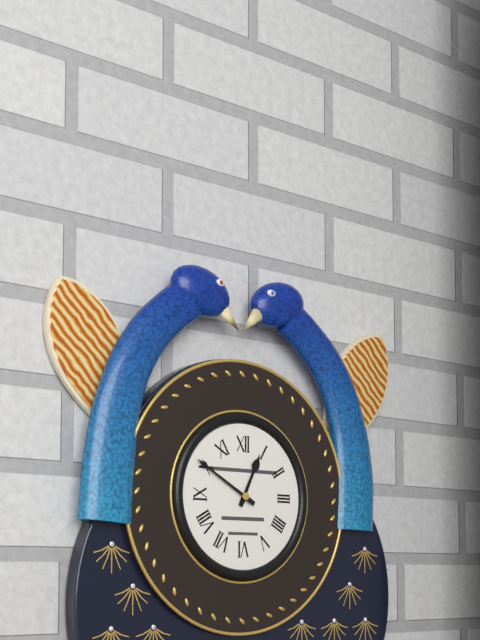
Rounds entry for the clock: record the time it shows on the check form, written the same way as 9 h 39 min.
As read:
12 h 50 min
